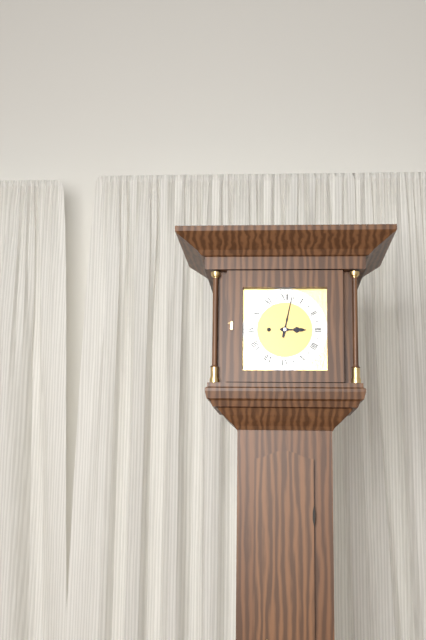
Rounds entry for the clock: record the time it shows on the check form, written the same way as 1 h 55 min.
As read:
3 h 02 min
